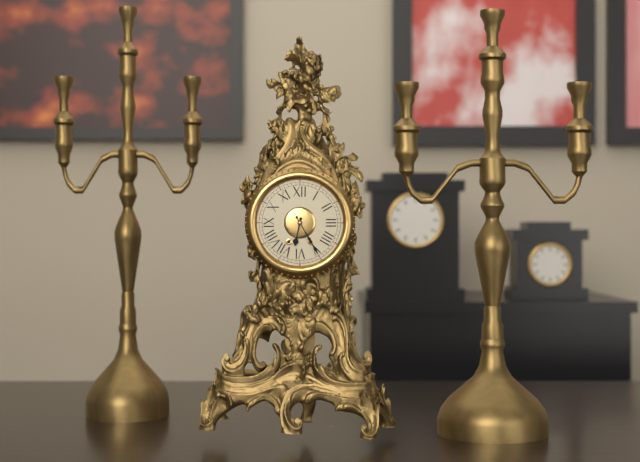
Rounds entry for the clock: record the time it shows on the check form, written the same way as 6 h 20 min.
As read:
6 h 25 min
